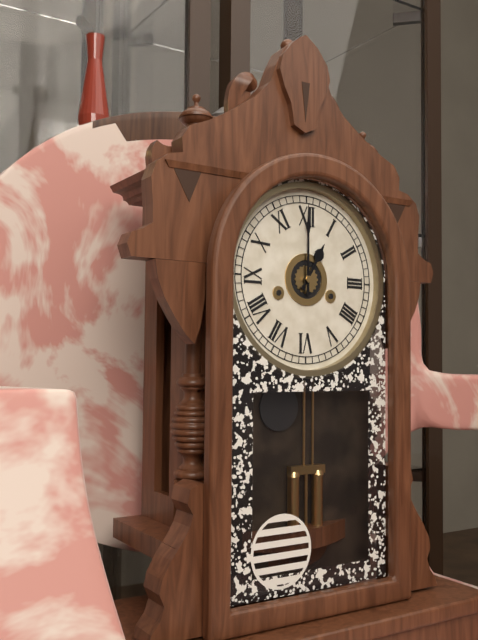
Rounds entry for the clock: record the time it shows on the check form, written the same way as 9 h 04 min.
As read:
1 h 00 min
